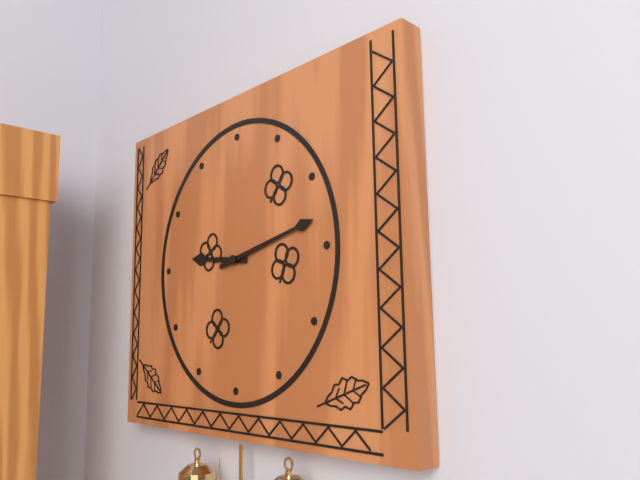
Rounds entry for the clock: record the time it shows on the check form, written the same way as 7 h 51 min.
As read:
9 h 13 min
